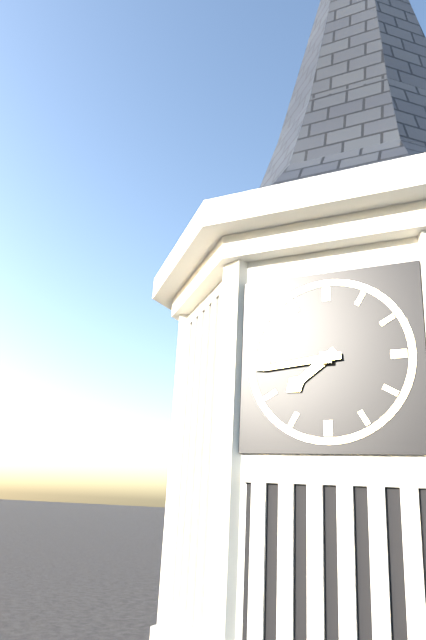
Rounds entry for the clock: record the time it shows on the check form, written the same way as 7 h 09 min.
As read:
7 h 44 min
